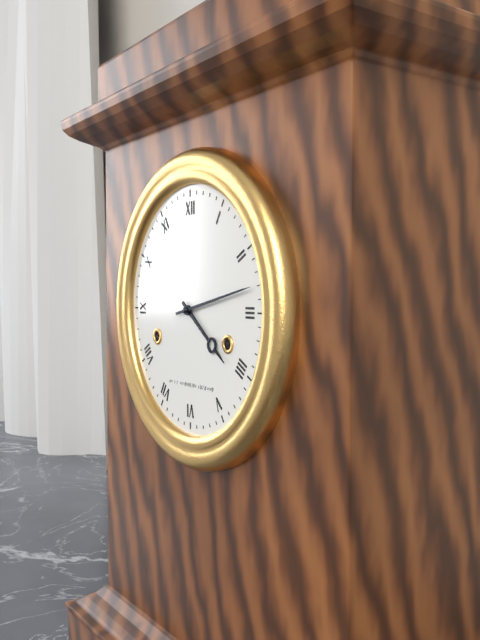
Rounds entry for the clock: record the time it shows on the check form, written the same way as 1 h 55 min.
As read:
4 h 13 min
